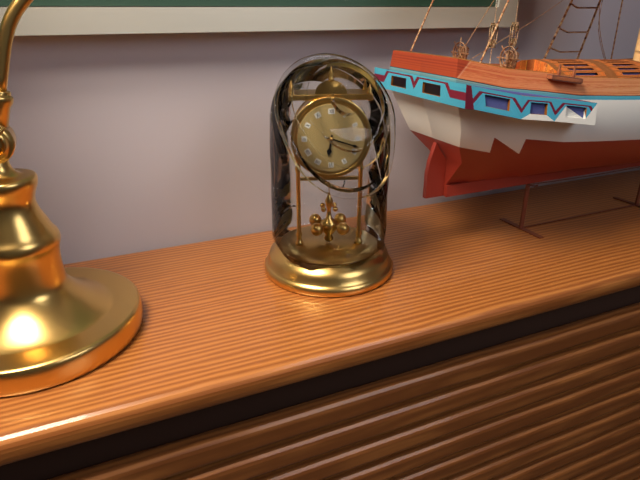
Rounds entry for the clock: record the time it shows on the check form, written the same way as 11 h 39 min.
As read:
6 h 18 min
